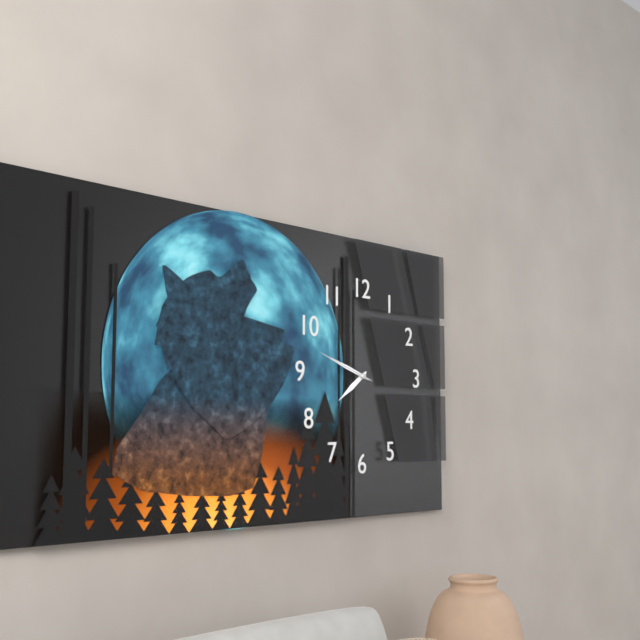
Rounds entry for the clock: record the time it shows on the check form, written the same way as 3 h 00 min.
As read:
7 h 48 min
